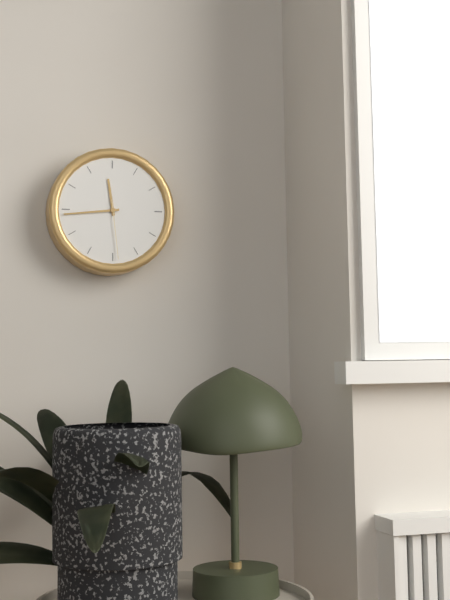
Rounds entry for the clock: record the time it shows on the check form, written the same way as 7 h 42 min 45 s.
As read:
11 h 44 min 29 s
